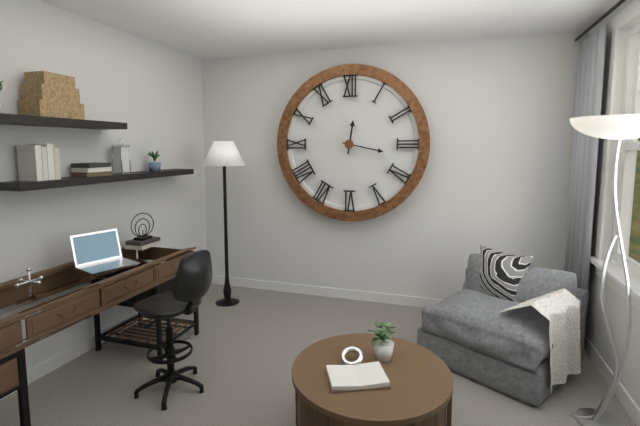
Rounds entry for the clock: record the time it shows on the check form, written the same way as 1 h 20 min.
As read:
12 h 17 min
